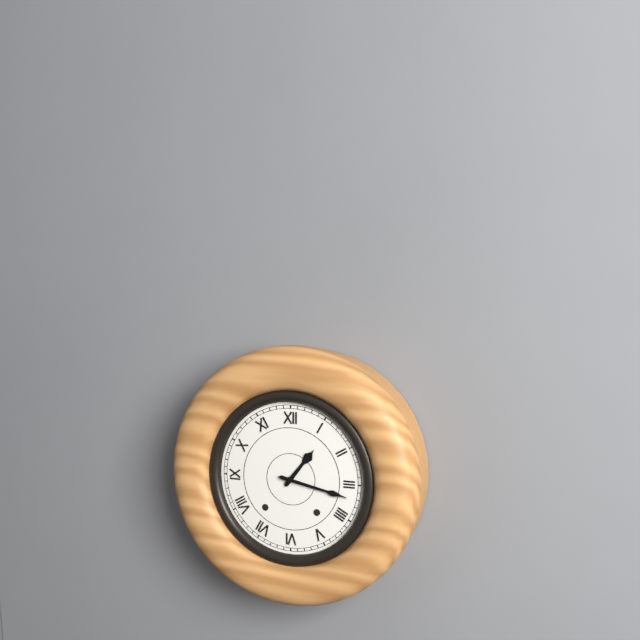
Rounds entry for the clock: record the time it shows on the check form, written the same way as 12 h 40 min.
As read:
1 h 17 min
